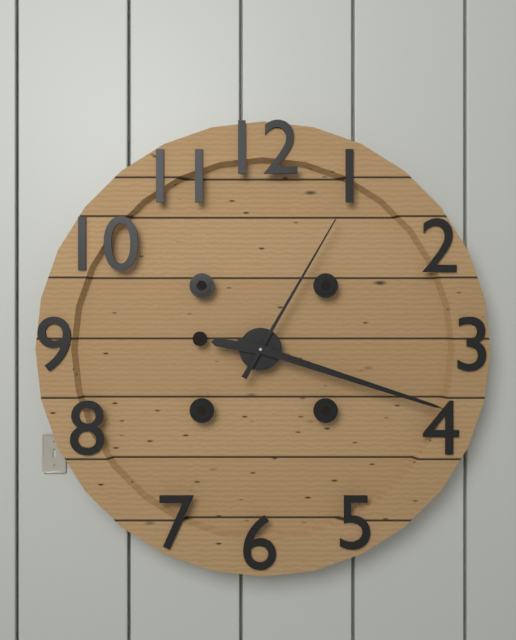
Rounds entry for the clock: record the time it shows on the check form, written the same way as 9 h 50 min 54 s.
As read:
9 h 18 min 05 s
